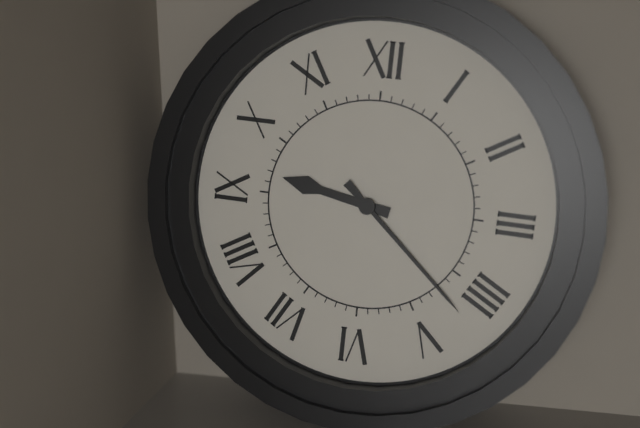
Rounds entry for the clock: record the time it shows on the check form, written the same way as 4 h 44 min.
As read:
9 h 22 min
